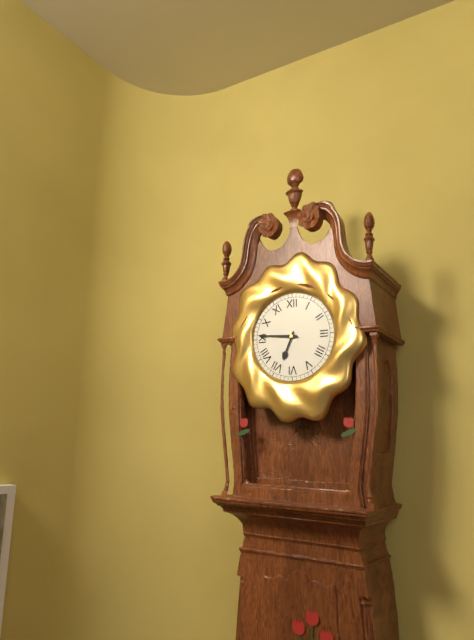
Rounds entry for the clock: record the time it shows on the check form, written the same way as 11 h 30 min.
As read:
6 h 46 min
